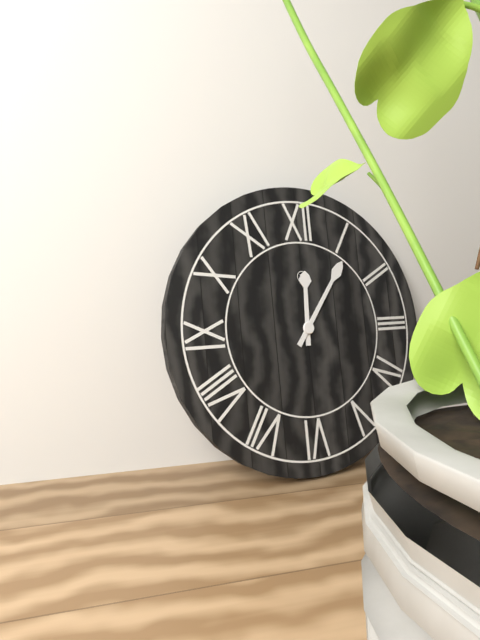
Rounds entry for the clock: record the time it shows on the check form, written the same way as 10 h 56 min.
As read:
12 h 06 min
